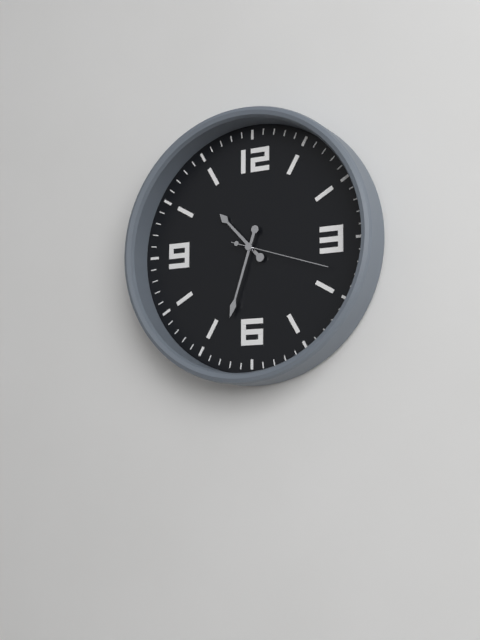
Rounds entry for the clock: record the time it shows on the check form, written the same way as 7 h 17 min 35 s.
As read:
10 h 33 min 18 s
